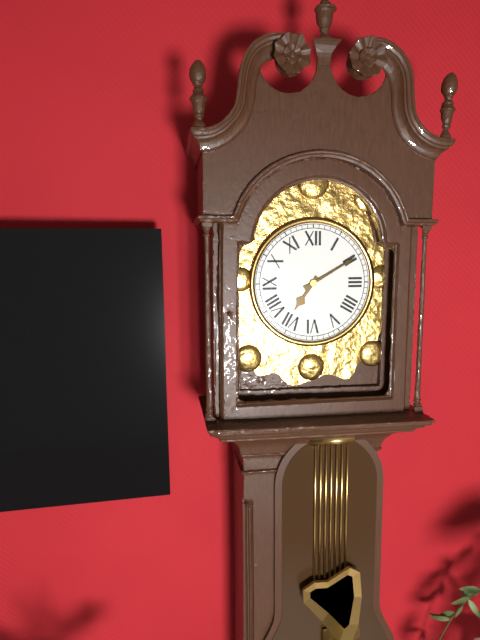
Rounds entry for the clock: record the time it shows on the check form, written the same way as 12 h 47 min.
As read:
7 h 10 min
